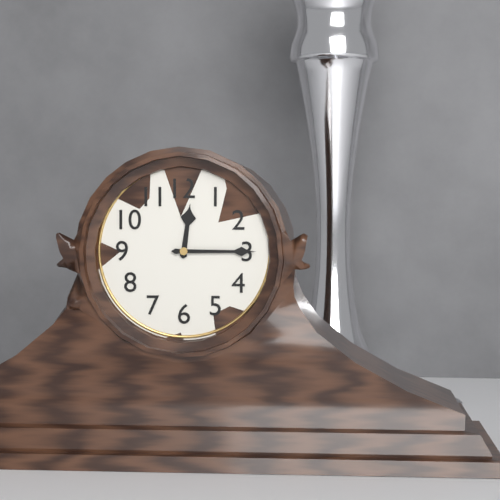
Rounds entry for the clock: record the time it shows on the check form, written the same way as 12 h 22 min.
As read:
12 h 15 min
